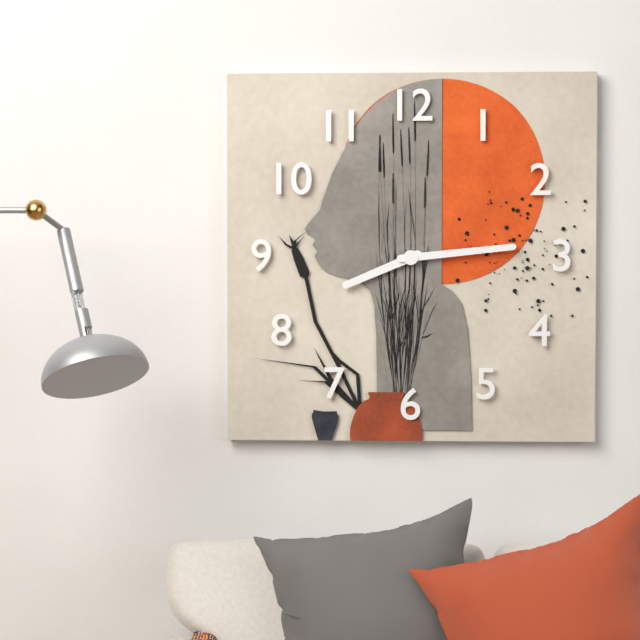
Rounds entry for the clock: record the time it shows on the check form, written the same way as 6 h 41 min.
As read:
8 h 14 min
